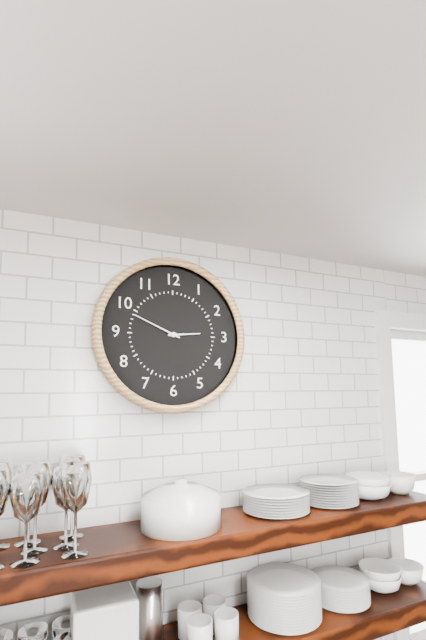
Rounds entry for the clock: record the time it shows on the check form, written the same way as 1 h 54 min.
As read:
2 h 49 min
